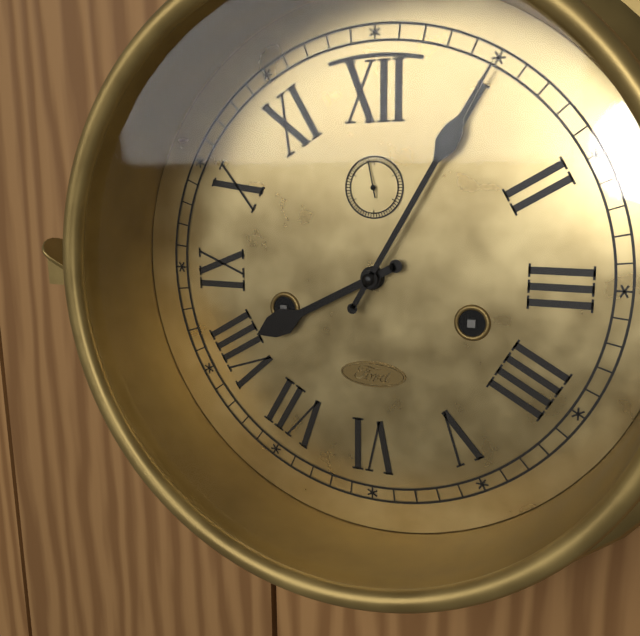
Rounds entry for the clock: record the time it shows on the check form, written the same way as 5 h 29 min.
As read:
8 h 05 min
